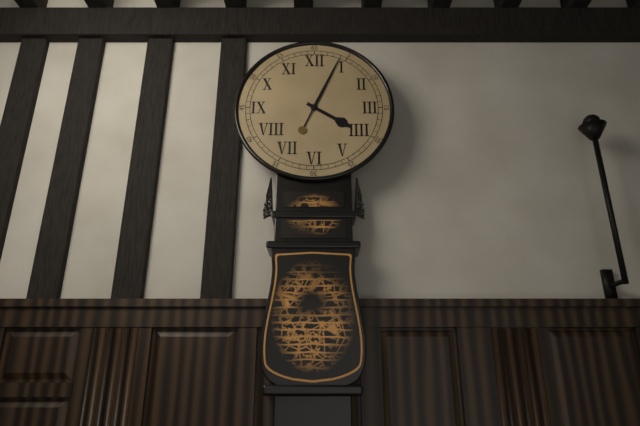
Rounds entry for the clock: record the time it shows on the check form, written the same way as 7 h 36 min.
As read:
4 h 04 min
